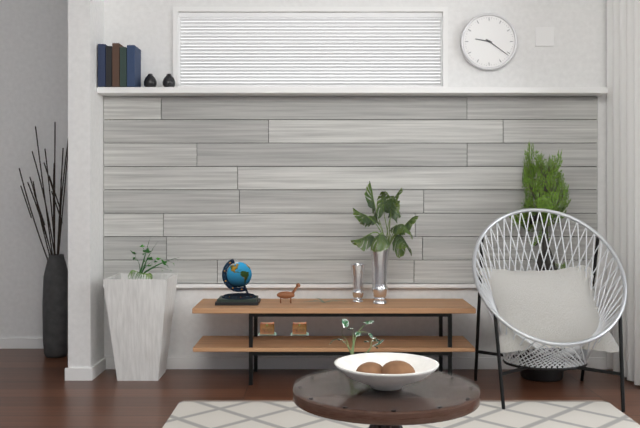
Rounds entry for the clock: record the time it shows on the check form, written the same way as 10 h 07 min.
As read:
9 h 21 min
